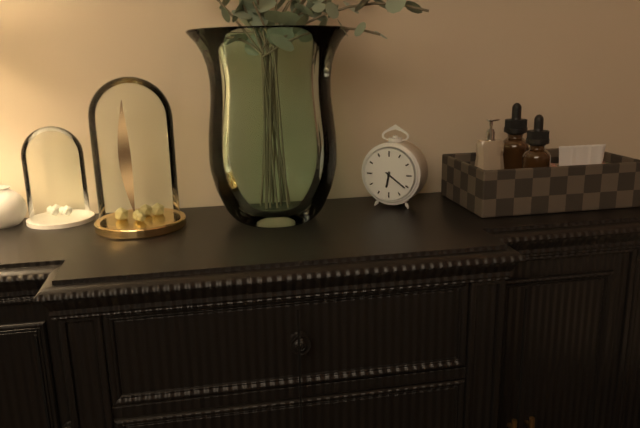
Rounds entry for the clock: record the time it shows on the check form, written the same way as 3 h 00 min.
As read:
6 h 21 min
